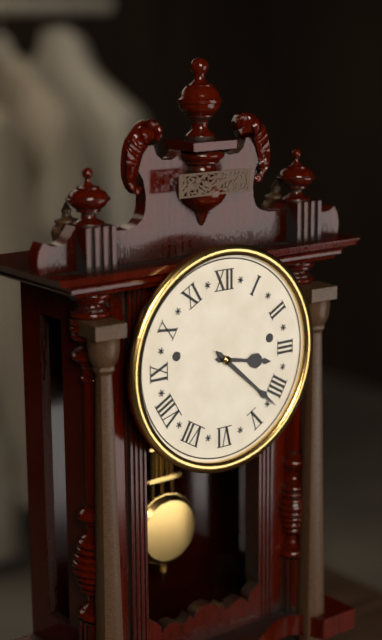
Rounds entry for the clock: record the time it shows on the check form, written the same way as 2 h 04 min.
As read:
3 h 22 min
